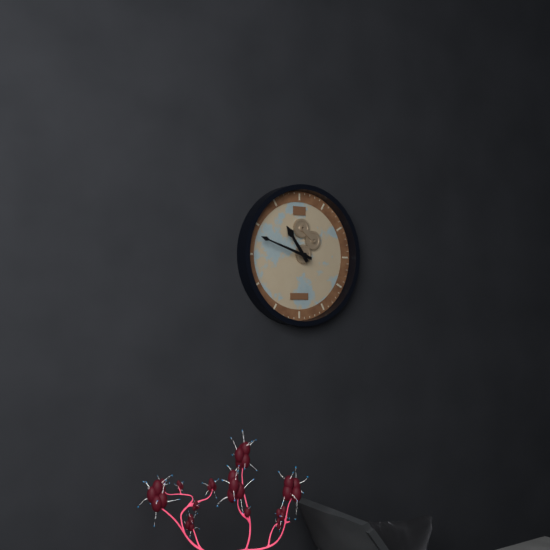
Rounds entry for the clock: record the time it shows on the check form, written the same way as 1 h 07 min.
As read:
10 h 48 min
